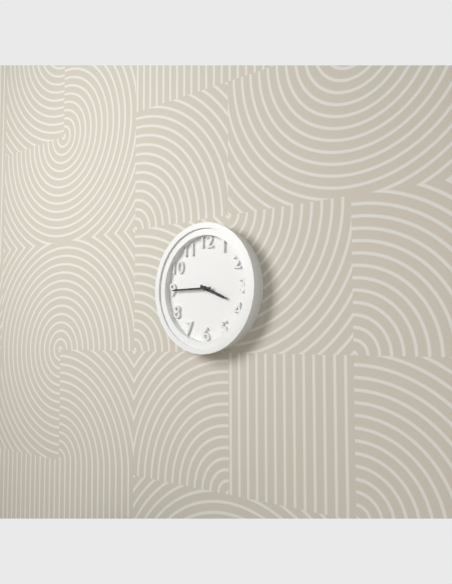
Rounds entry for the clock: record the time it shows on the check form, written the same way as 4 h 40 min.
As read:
3 h 45 min
